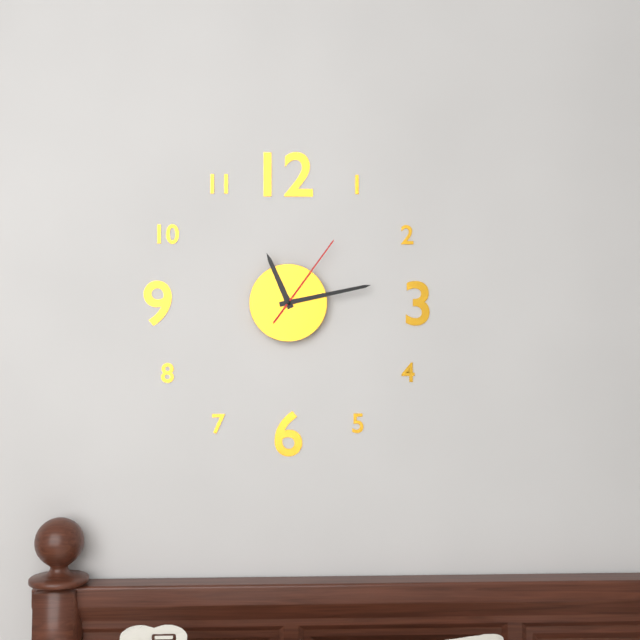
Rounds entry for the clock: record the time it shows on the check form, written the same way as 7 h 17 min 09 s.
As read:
11 h 13 min 06 s
